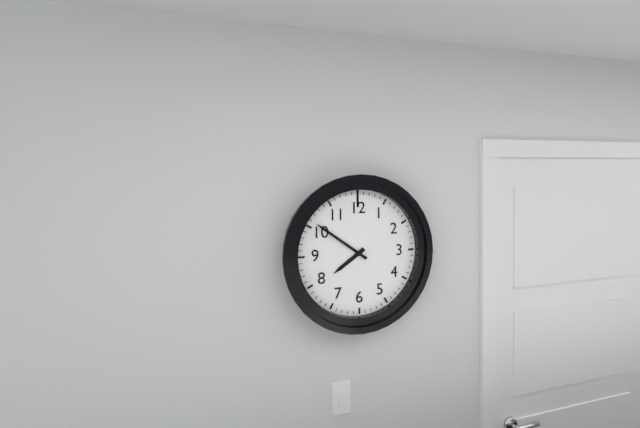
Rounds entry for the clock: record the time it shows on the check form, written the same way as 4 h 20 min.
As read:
7 h 51 min
